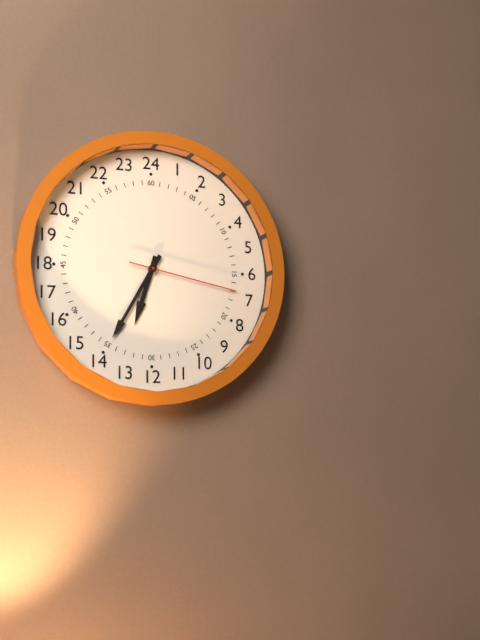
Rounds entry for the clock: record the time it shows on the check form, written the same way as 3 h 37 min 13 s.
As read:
6 h 35 min 17 s
